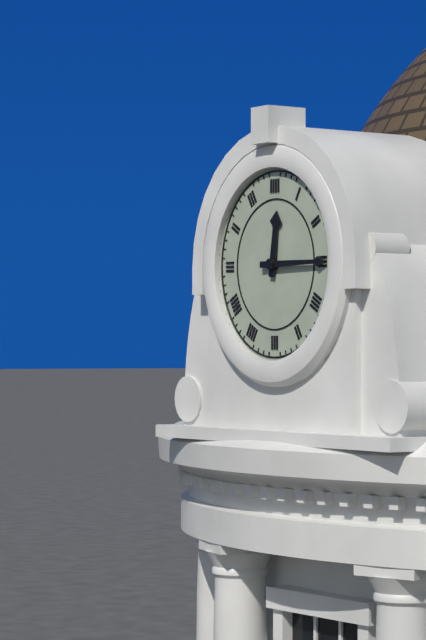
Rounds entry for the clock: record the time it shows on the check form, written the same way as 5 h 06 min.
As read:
12 h 15 min
